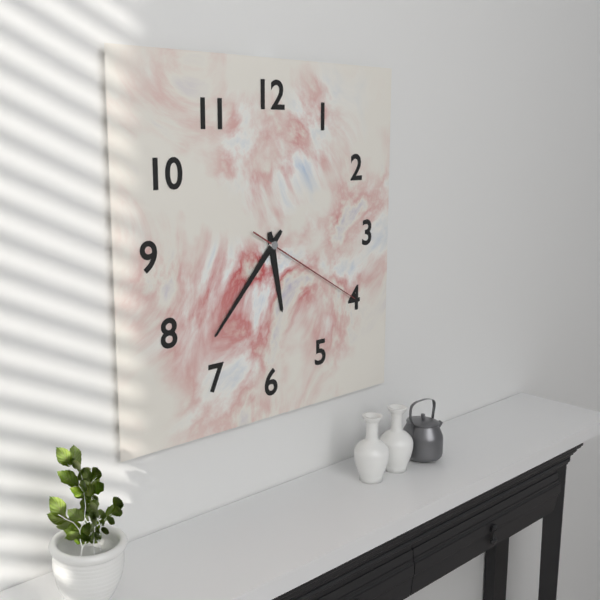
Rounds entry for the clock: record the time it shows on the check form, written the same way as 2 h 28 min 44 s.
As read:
5 h 37 min 20 s
